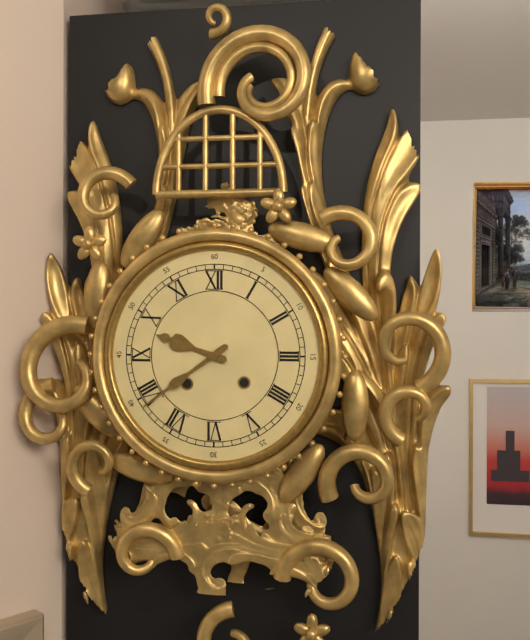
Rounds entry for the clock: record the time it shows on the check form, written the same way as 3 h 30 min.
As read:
9 h 39 min
